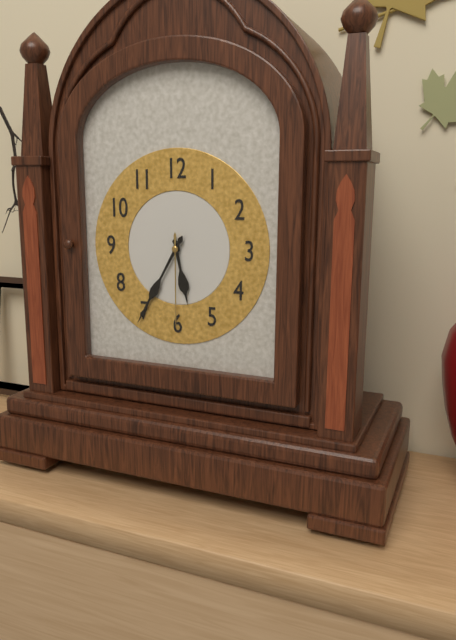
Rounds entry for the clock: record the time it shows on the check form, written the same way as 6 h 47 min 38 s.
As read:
5 h 35 min 30 s
